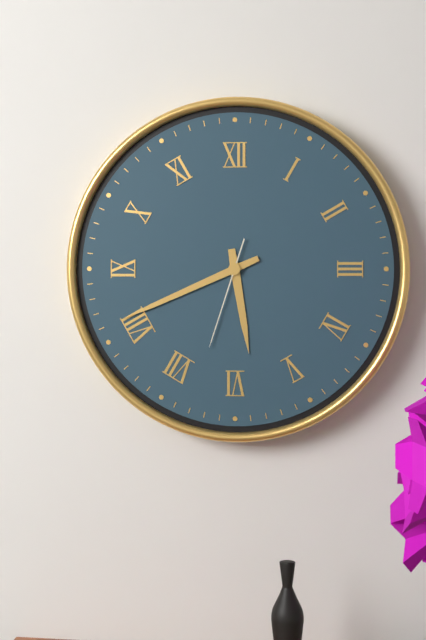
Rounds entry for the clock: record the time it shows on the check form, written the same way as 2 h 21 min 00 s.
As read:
5 h 41 min 33 s
